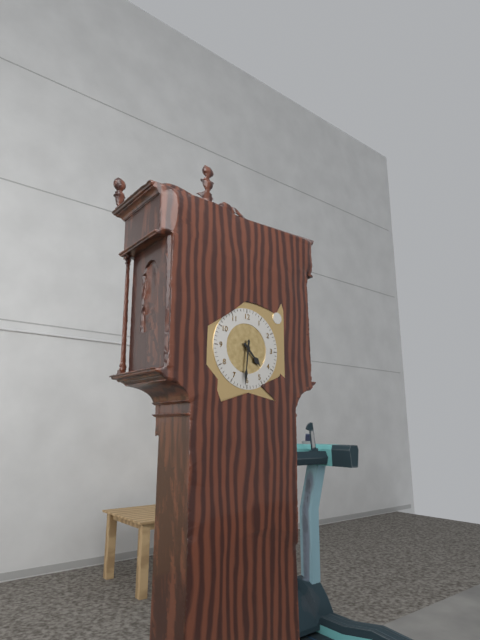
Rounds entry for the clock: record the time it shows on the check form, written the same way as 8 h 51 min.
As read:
4 h 31 min
